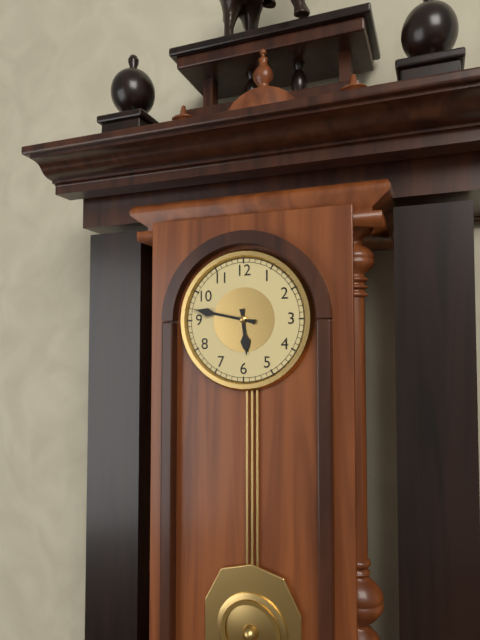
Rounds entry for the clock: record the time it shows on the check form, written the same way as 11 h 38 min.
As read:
5 h 47 min
